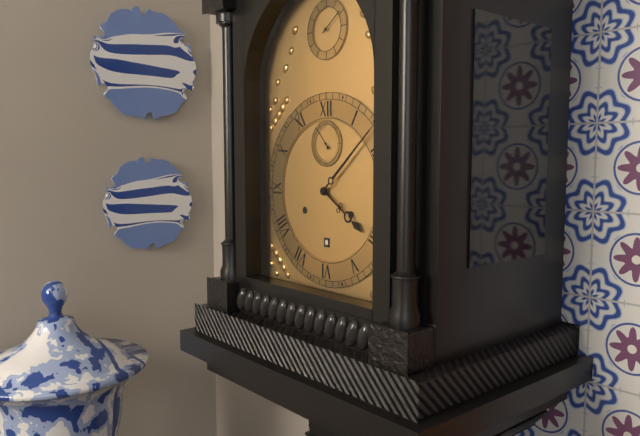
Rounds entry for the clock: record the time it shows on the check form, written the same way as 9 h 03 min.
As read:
4 h 08 min
